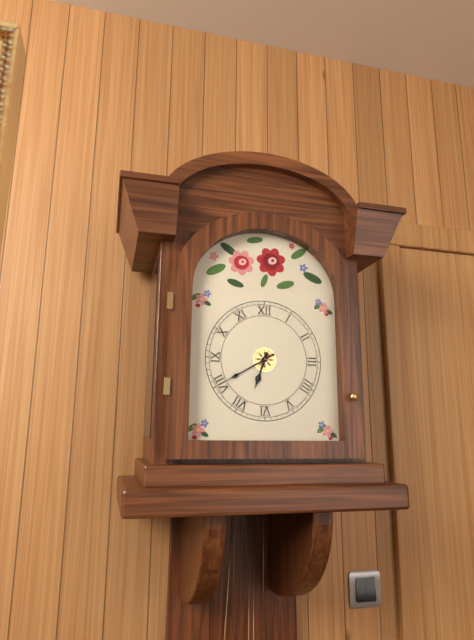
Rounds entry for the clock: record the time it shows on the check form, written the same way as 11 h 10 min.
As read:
6 h 40 min
